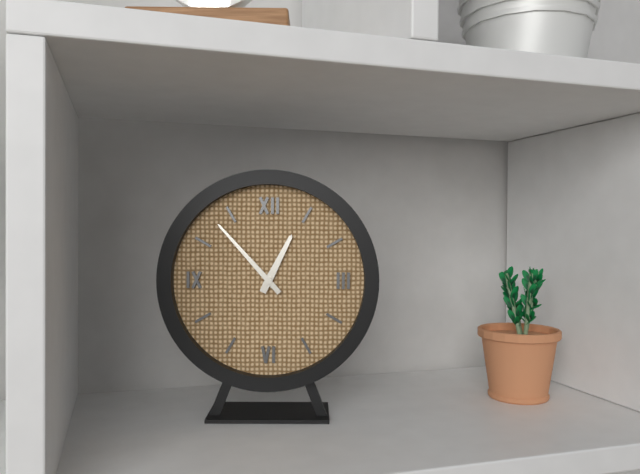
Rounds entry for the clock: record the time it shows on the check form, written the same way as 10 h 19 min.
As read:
12 h 53 min
